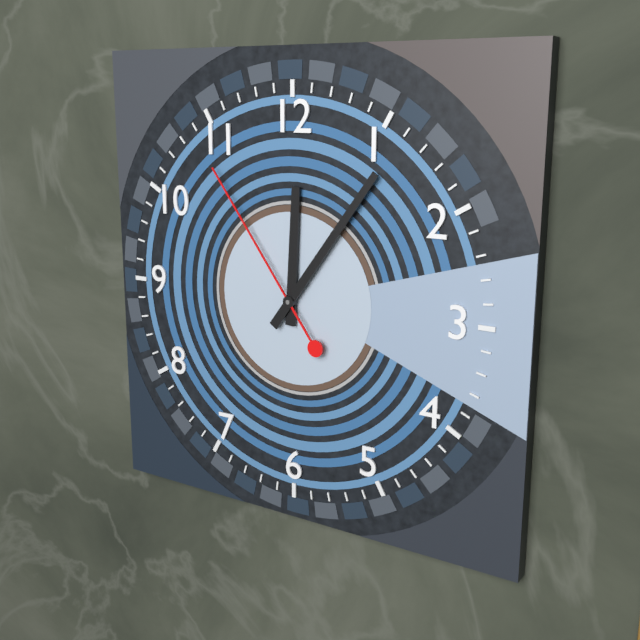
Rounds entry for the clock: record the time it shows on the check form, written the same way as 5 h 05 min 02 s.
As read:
12 h 06 min 54 s
